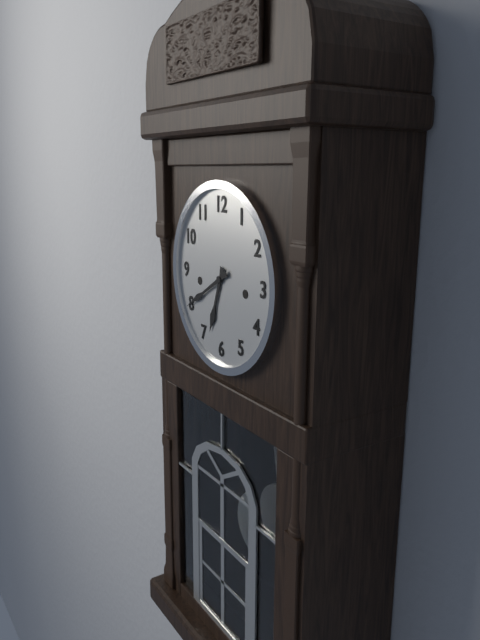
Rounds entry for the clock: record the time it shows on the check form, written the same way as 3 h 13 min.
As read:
6 h 40 min
